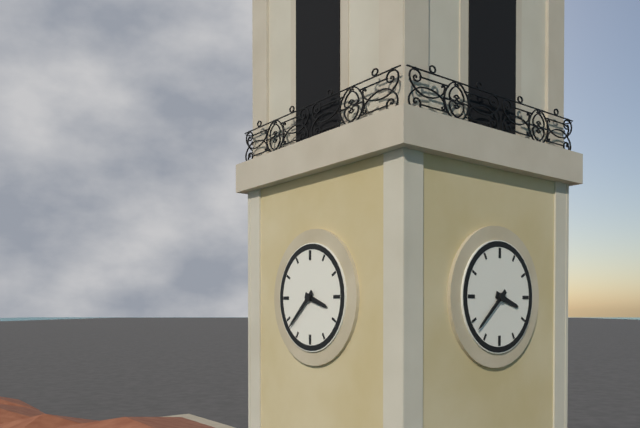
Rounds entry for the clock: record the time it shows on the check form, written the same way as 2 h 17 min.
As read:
3 h 38 min
